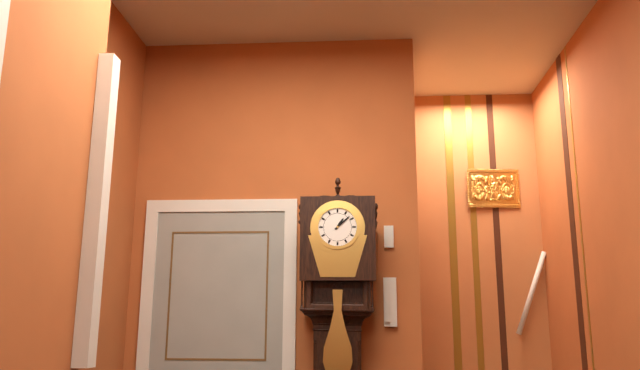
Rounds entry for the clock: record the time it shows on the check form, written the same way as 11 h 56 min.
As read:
1 h 08 min
